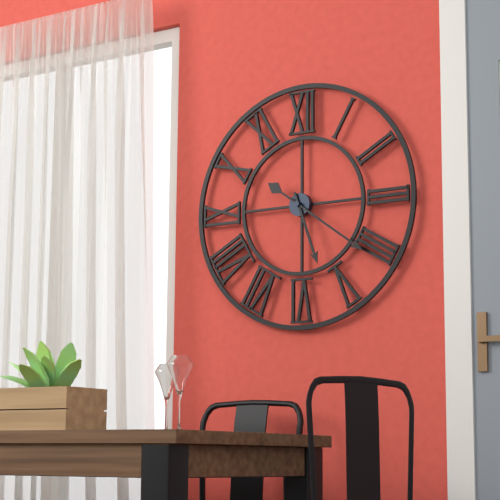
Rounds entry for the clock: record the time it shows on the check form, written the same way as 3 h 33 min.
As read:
5 h 21 min
